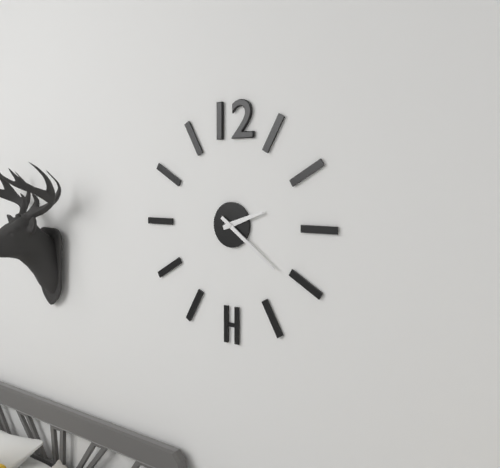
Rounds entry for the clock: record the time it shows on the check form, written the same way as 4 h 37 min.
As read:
2 h 21 min
